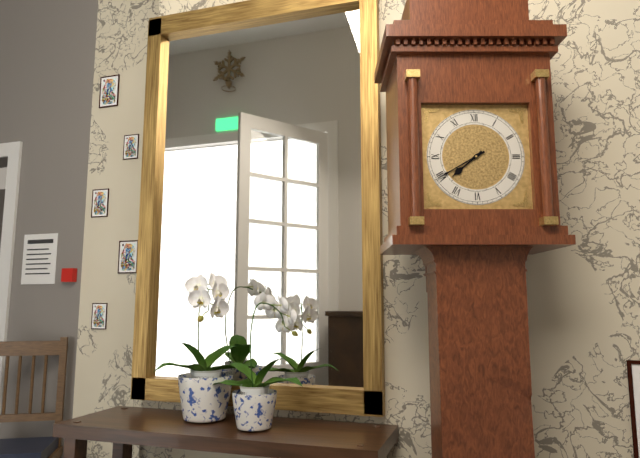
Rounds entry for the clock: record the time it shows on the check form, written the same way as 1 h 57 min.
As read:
7 h 40 min
